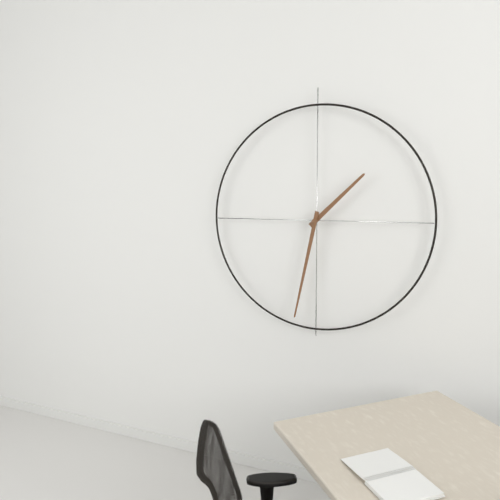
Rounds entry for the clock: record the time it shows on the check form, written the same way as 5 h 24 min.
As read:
1 h 32 min
